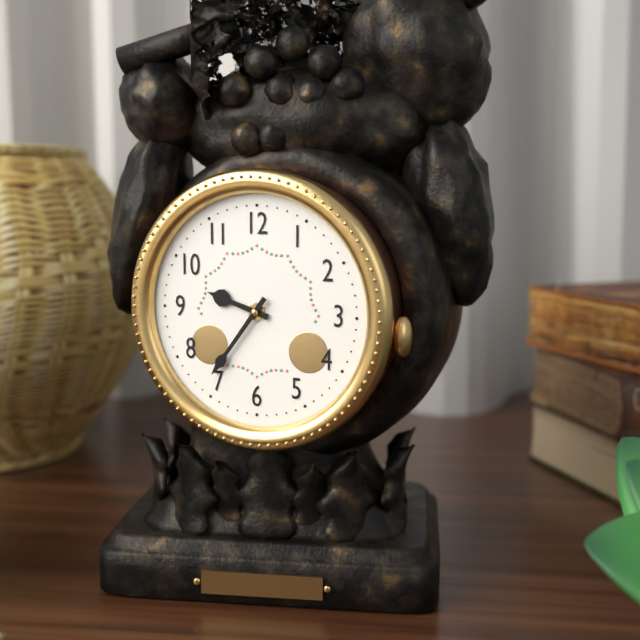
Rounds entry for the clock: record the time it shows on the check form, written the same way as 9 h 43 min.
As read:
9 h 36 min
